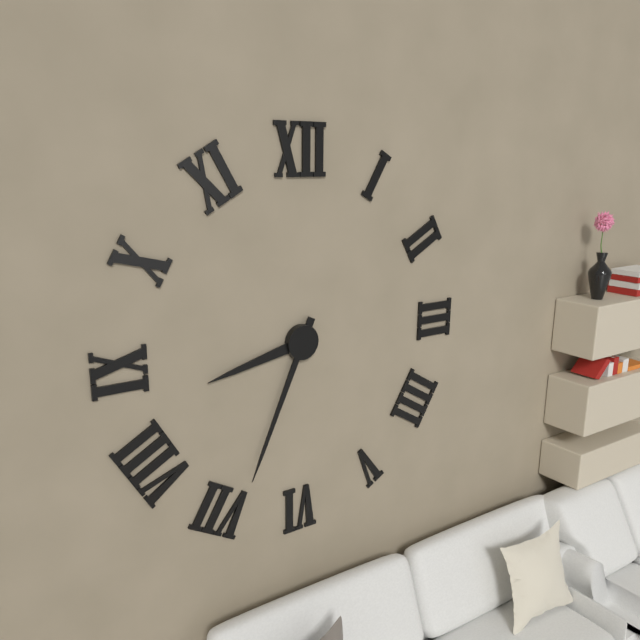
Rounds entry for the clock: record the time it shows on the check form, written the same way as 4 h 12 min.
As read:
8 h 34 min
